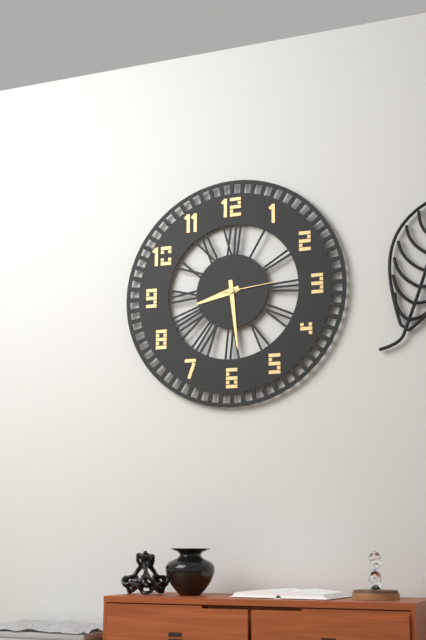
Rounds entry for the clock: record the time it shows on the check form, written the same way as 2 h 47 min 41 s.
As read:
8 h 29 min 14 s
